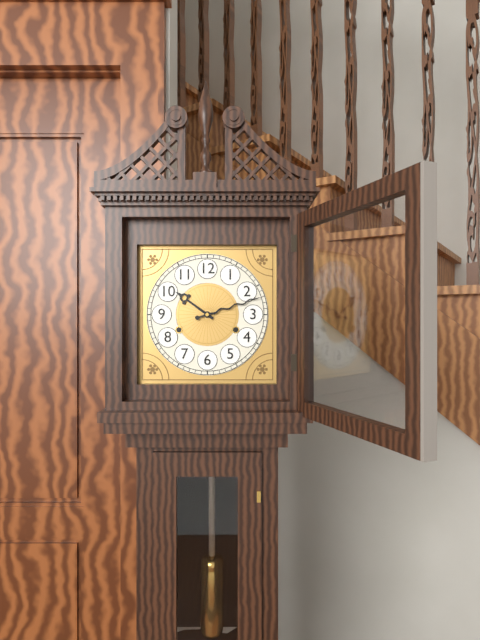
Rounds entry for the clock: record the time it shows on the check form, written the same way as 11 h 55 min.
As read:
10 h 12 min
